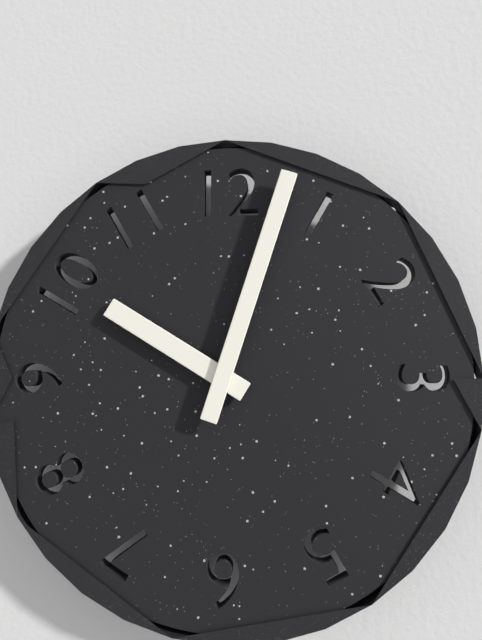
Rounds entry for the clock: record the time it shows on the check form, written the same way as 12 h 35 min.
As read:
10 h 03 min
